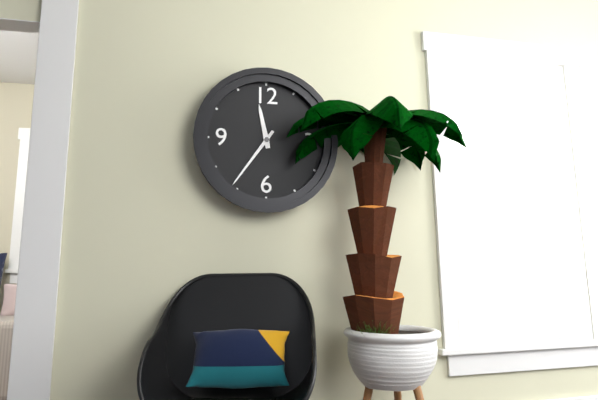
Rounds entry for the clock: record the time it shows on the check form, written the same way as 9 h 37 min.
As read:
11 h 36 min
